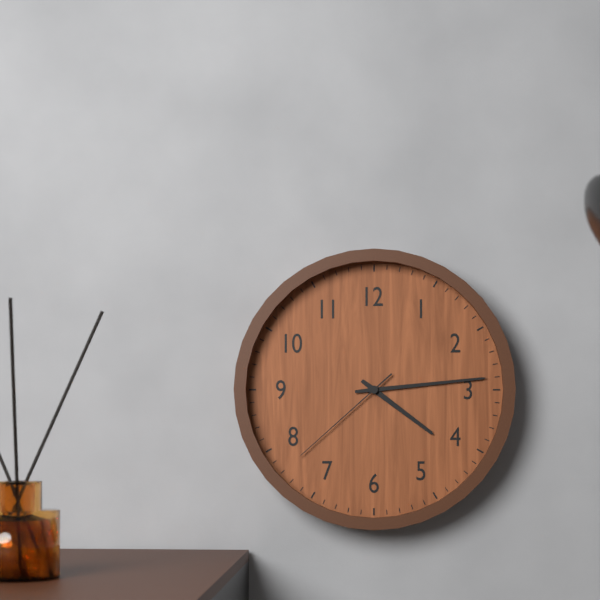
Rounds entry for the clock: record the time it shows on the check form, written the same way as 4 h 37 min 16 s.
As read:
4 h 14 min 38 s
